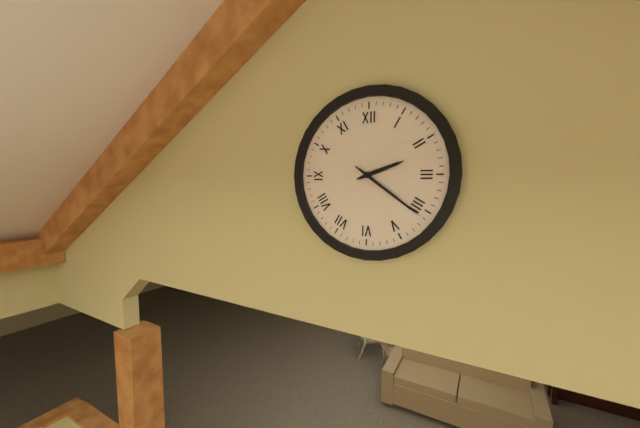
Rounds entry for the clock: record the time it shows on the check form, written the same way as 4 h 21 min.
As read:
2 h 21 min
